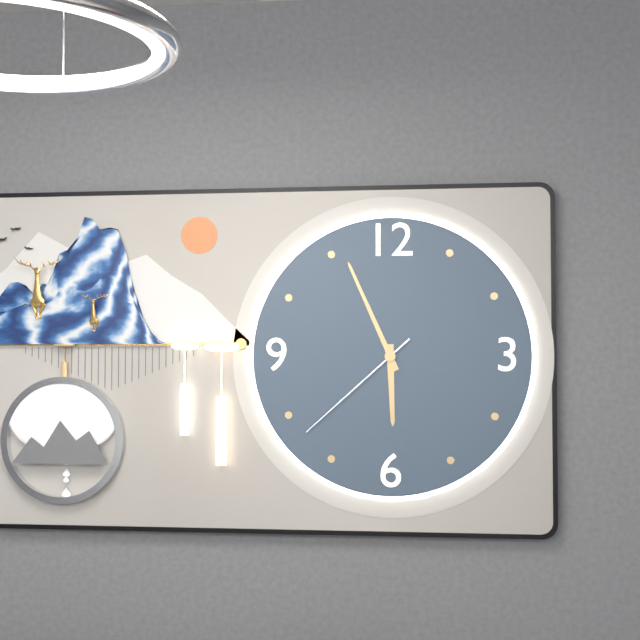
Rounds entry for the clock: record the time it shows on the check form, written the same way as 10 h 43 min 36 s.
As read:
5 h 56 min 38 s
